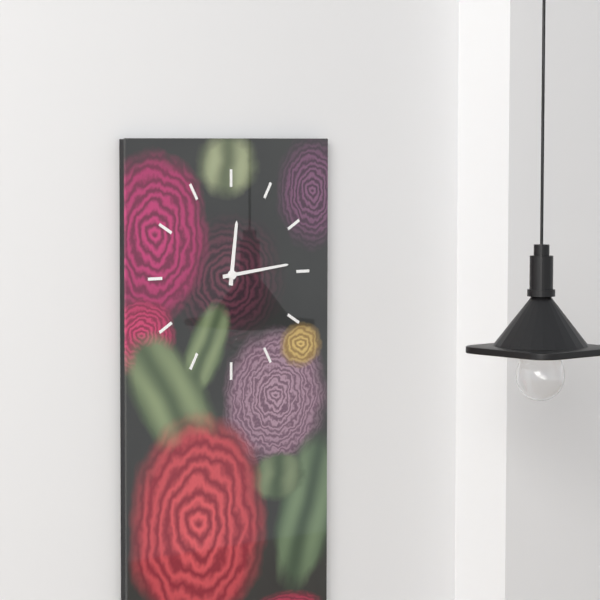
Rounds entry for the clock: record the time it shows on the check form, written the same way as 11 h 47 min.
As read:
12 h 14 min
